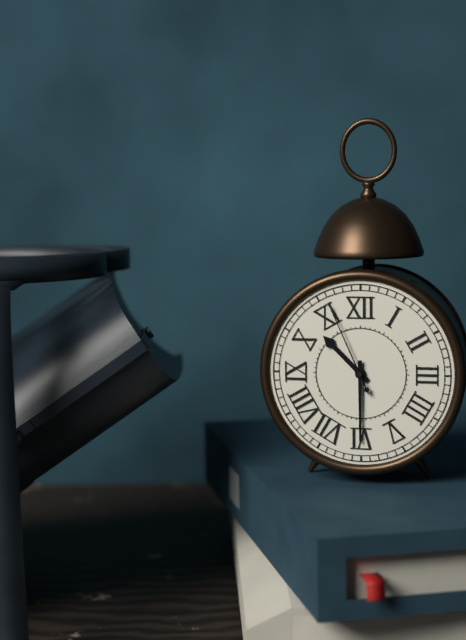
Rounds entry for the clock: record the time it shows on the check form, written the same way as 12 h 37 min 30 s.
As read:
10 h 30 min 56 s
